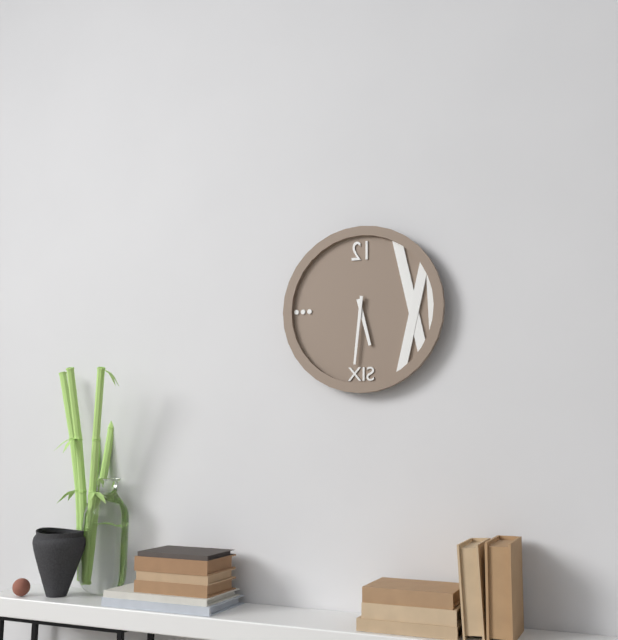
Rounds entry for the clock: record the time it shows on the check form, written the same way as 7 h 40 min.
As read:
5 h 31 min
